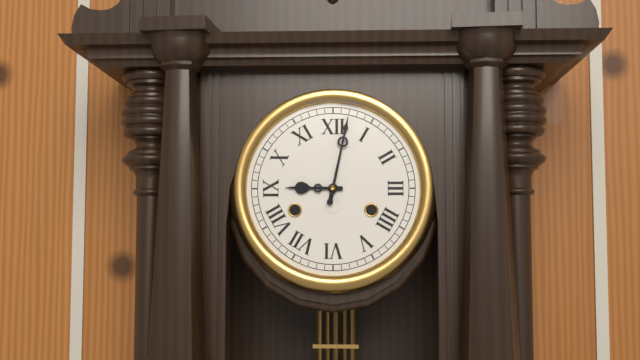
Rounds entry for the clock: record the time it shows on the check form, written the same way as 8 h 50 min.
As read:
9 h 02 min
